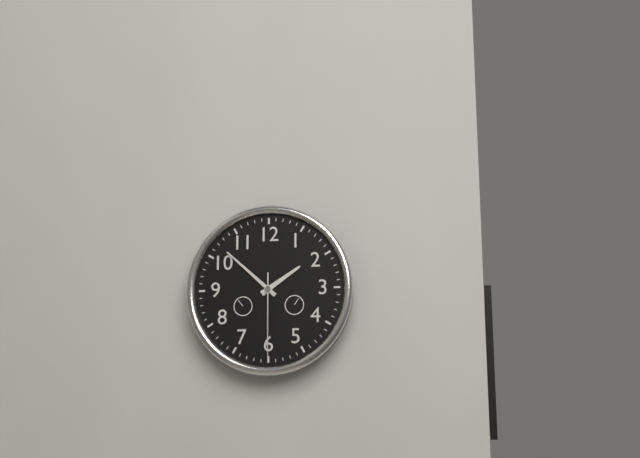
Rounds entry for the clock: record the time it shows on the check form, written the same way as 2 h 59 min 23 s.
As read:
1 h 52 min 30 s
